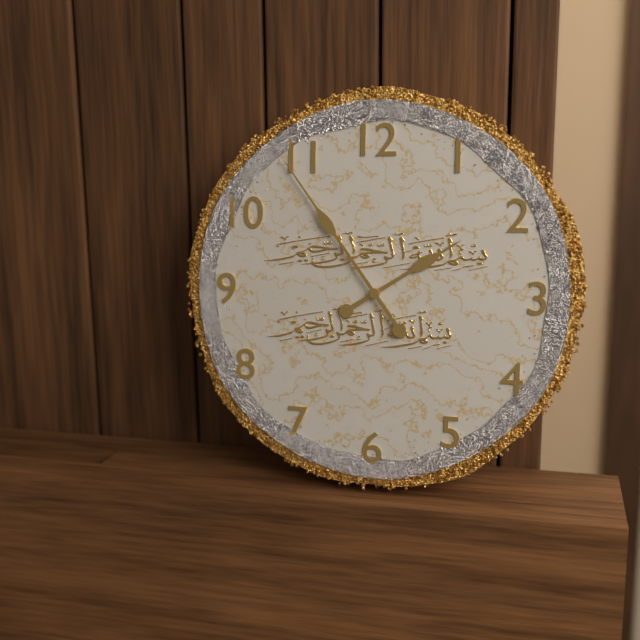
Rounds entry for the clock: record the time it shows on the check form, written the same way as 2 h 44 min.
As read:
1 h 54 min
